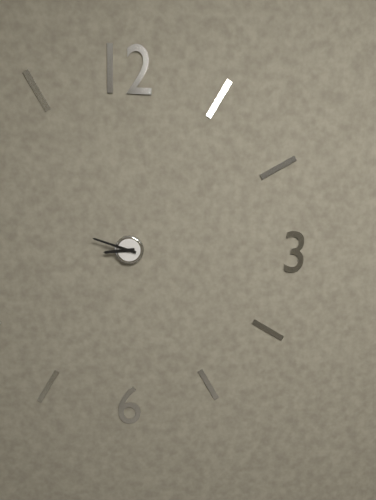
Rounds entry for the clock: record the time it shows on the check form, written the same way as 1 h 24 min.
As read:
8 h 48 min
